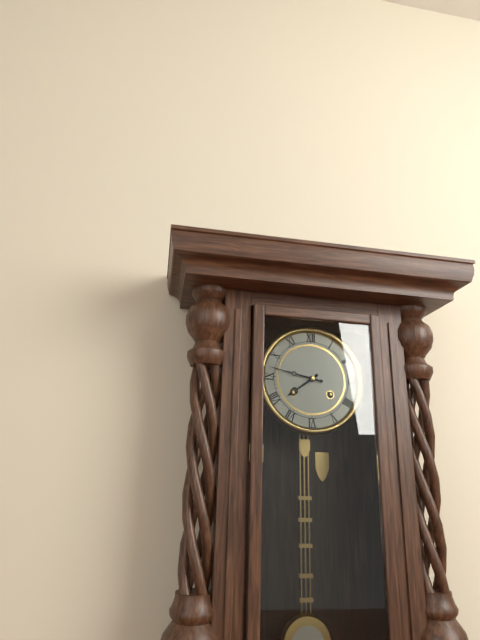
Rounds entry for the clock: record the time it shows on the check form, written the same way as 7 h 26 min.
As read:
7 h 47 min
